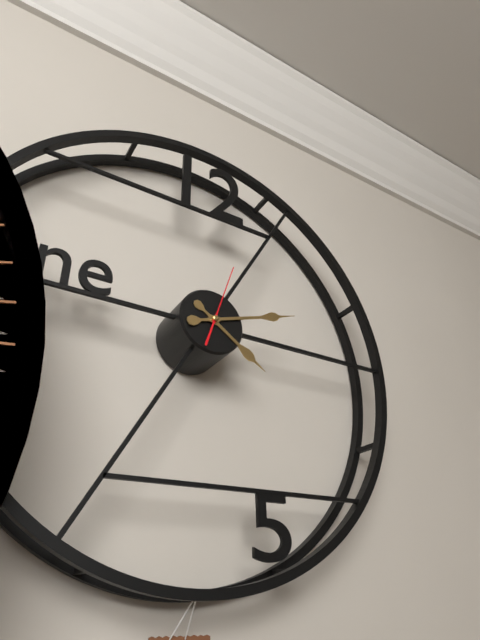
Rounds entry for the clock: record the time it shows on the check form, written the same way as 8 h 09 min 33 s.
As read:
4 h 12 min 03 s
